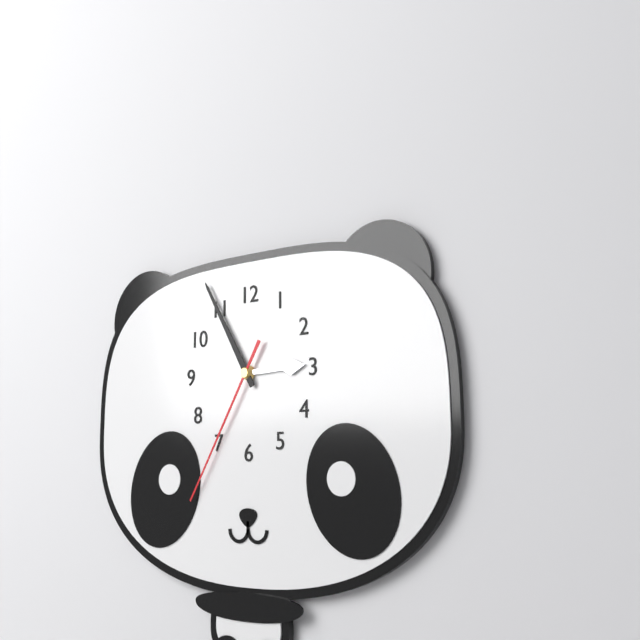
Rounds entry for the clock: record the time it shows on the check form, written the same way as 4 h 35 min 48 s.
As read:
2 h 55 min 35 s
